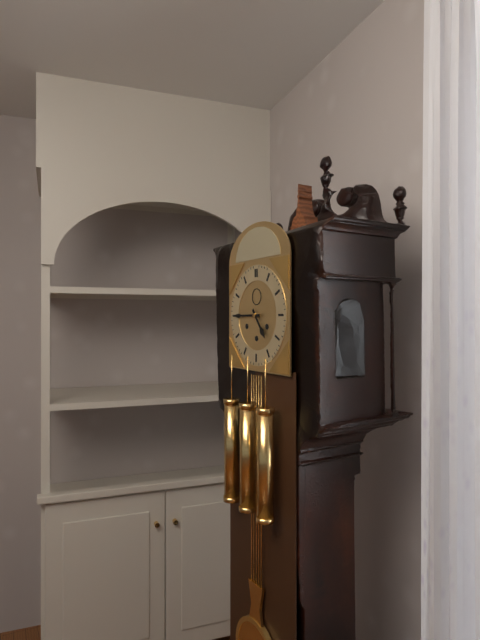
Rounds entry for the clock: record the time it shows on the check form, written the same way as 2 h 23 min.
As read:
4 h 45 min
